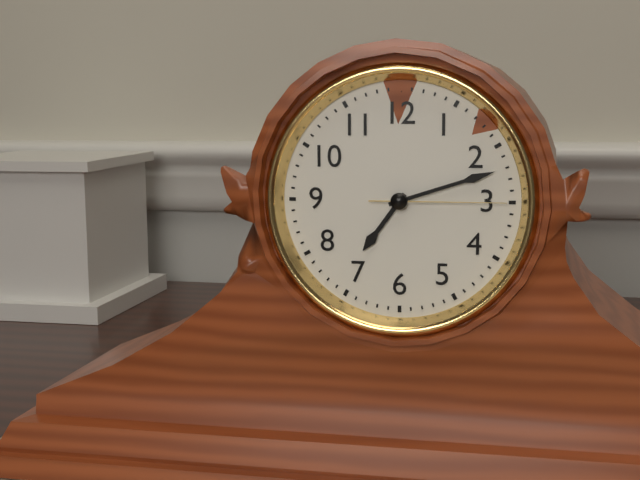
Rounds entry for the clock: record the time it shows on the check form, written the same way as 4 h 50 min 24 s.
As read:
7 h 12 min 15 s
